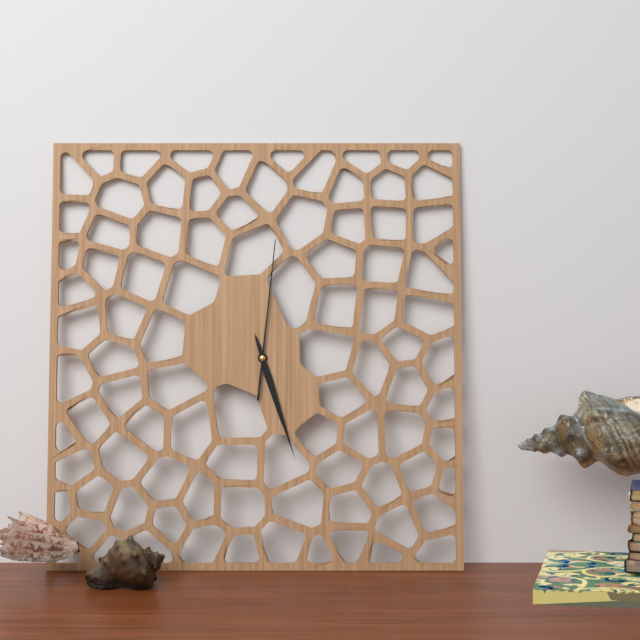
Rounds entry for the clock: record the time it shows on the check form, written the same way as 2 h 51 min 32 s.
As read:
5 h 27 min 01 s
